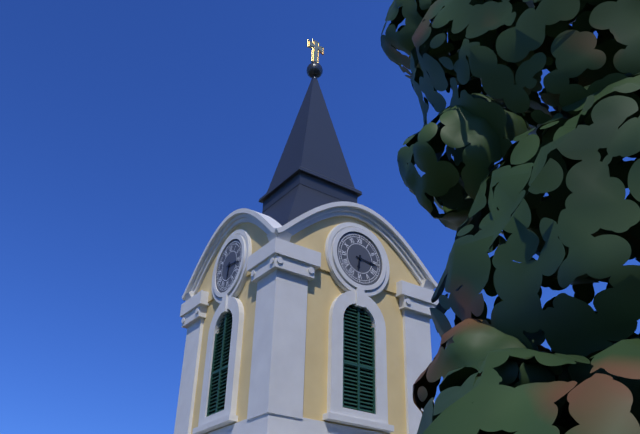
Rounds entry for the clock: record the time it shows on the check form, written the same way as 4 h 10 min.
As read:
6 h 16 min
